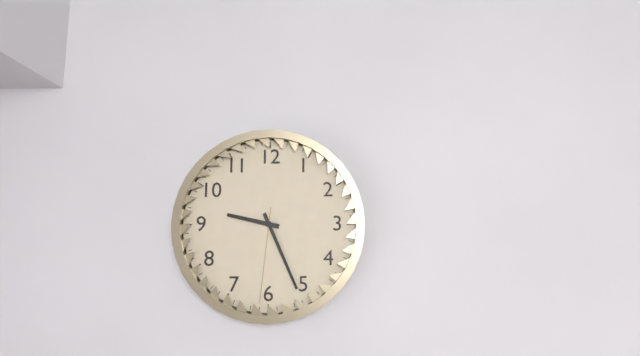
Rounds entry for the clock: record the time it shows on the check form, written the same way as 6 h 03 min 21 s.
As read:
9 h 26 min 31 s
